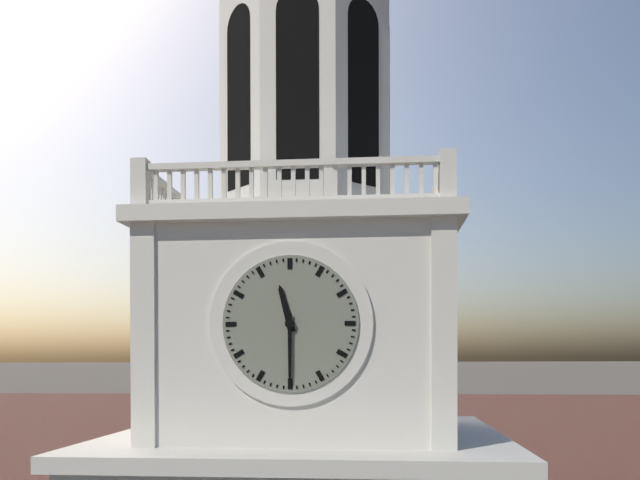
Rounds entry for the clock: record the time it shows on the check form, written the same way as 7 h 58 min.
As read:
11 h 30 min
